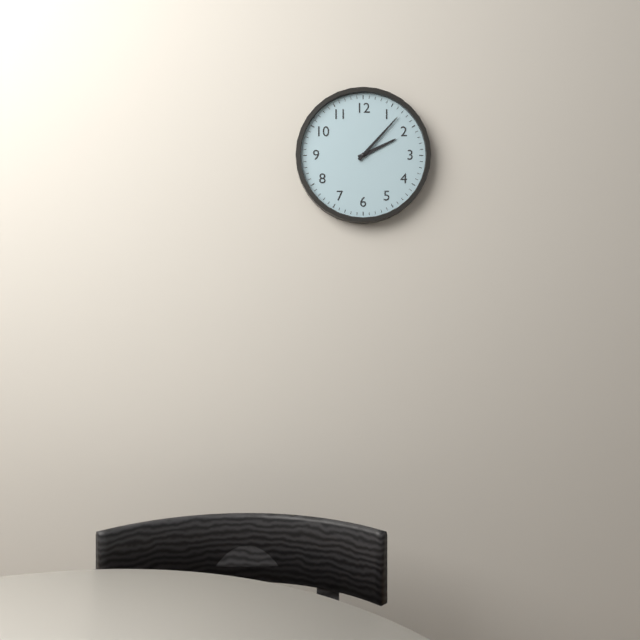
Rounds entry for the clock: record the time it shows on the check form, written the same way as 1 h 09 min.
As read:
2 h 07 min
